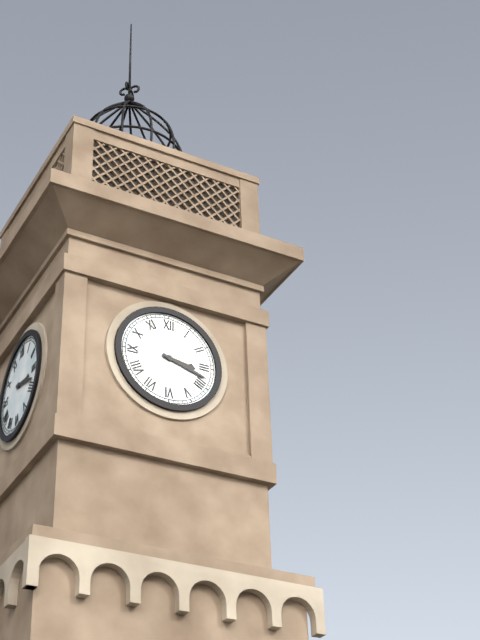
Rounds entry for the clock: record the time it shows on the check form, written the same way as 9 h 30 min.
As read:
3 h 18 min
